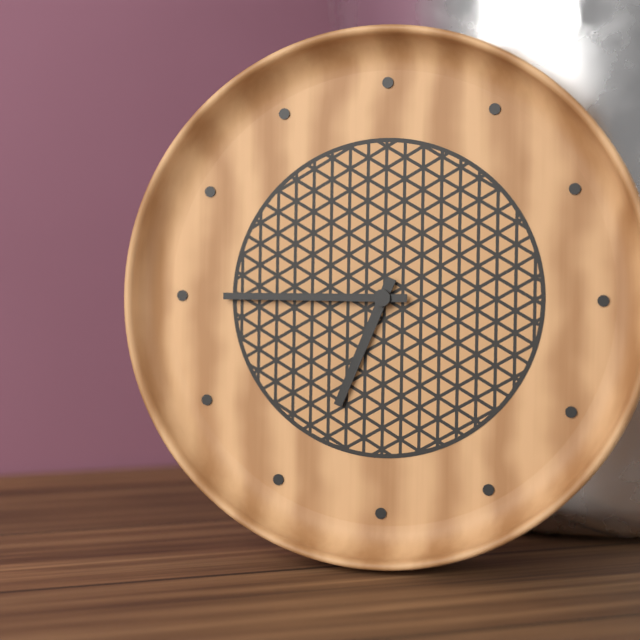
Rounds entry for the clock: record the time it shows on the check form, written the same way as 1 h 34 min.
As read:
6 h 45 min
